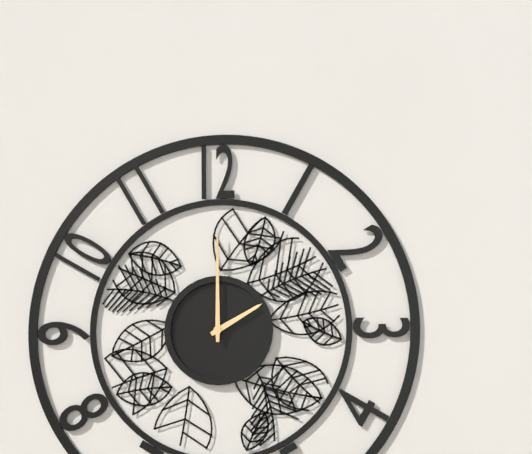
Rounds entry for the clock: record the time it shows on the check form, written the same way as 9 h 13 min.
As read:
2 h 00 min
